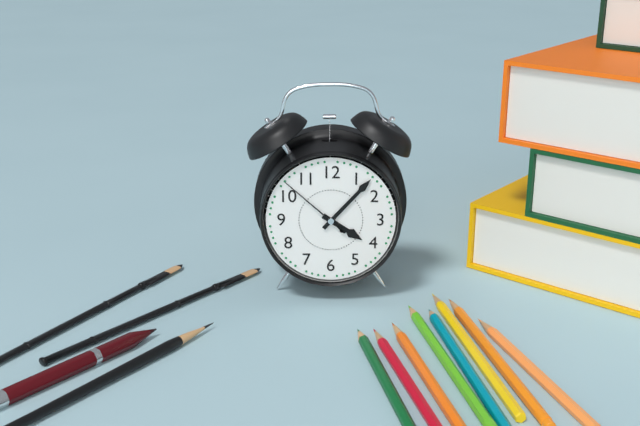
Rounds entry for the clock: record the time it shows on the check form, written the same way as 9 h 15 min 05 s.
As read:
4 h 07 min 52 s
